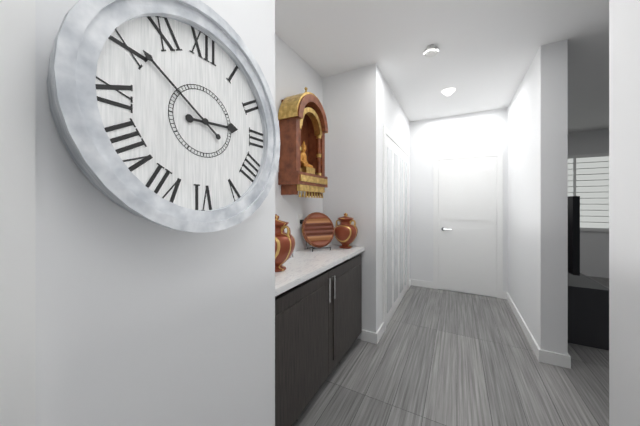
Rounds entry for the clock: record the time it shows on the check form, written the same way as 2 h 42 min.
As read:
2 h 51 min
